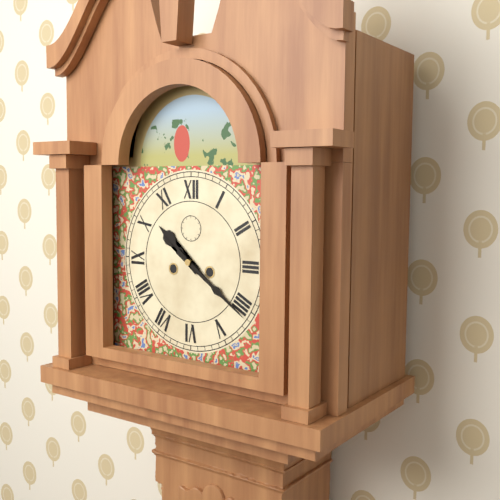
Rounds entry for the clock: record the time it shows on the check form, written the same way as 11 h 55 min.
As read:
10 h 21 min
